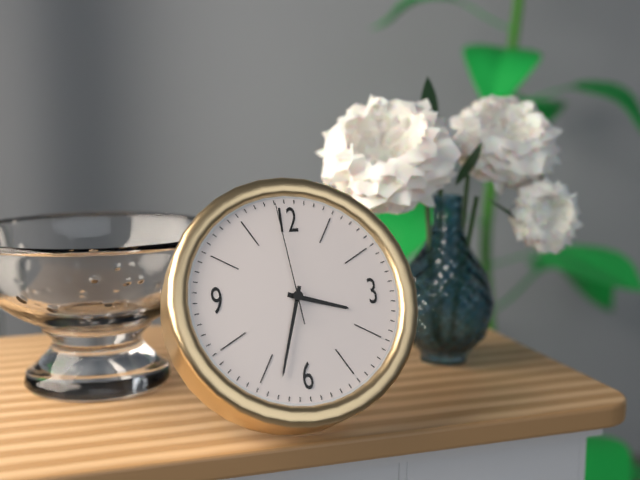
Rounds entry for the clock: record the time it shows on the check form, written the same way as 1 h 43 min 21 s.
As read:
3 h 33 min 59 s
